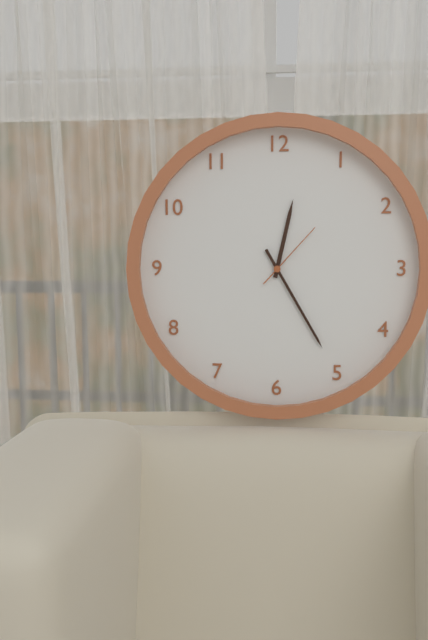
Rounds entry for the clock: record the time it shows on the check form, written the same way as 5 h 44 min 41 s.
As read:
12 h 25 min 07 s
